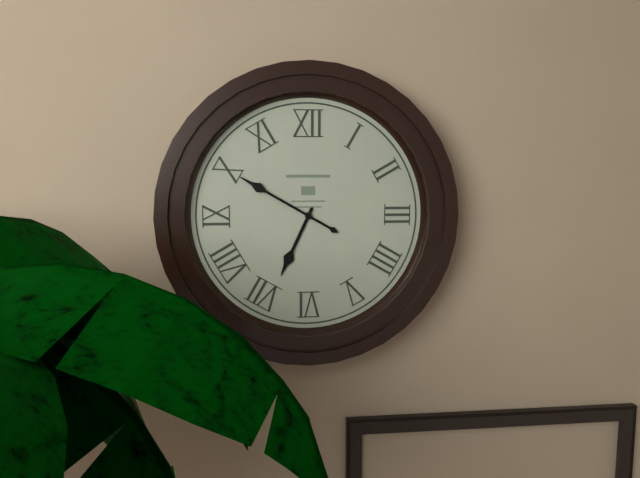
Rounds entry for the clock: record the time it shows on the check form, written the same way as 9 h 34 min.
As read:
6 h 50 min
